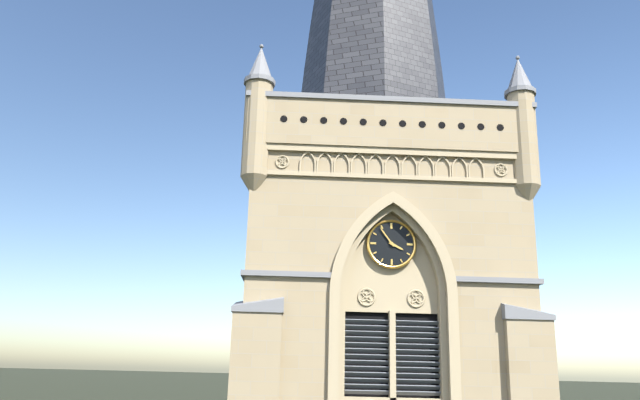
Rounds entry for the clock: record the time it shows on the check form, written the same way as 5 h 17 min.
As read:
3 h 54 min
